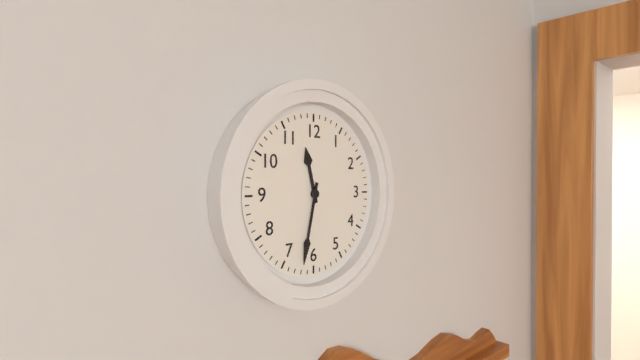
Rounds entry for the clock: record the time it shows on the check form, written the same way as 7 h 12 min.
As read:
11 h 32 min
